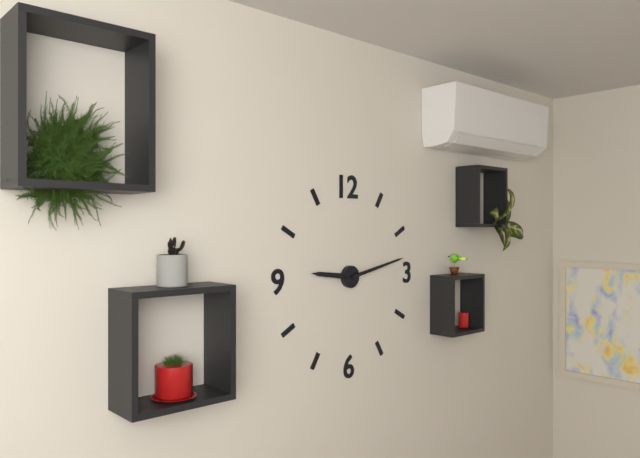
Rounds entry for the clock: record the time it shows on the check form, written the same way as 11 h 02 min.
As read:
9 h 13 min
